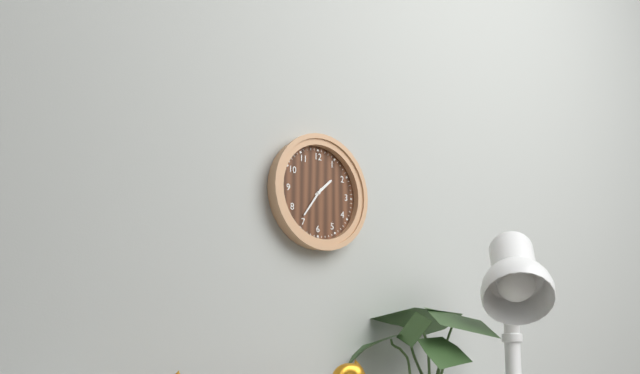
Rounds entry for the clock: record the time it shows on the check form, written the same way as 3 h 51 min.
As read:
1 h 36 min
